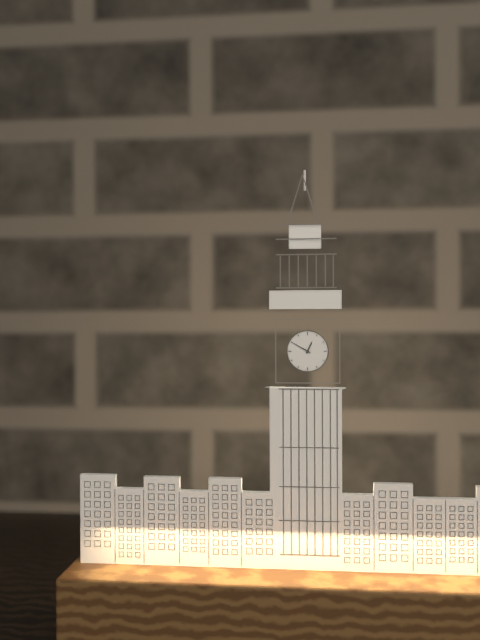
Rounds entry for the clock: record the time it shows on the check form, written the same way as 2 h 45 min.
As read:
12 h 50 min
